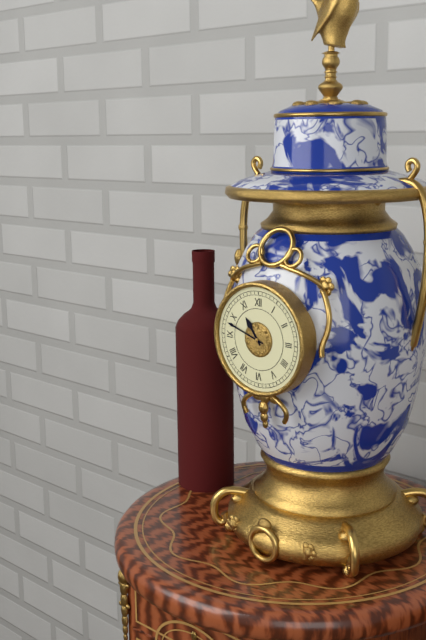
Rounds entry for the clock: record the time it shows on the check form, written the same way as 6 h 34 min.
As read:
10 h 48 min
